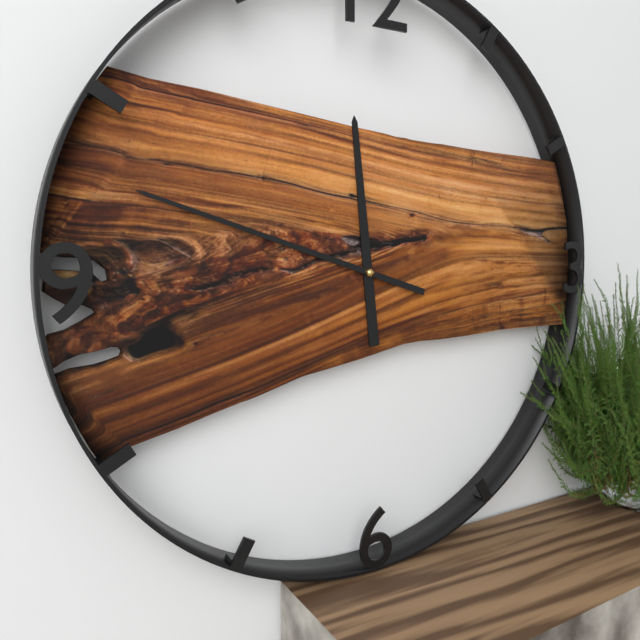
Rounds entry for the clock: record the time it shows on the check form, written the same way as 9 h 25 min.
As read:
11 h 48 min
